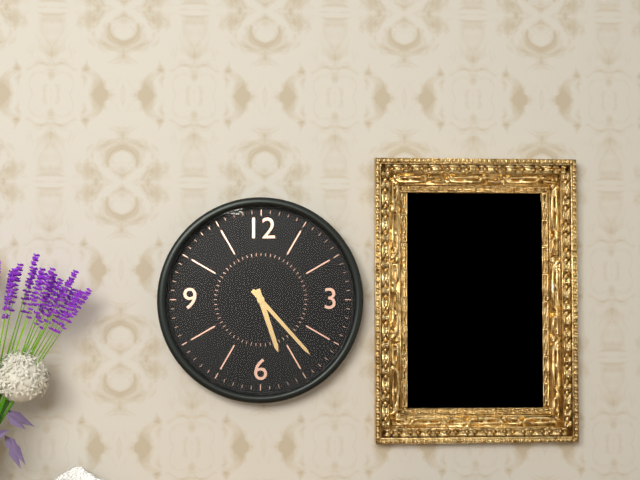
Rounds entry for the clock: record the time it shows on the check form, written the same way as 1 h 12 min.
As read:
5 h 23 min
